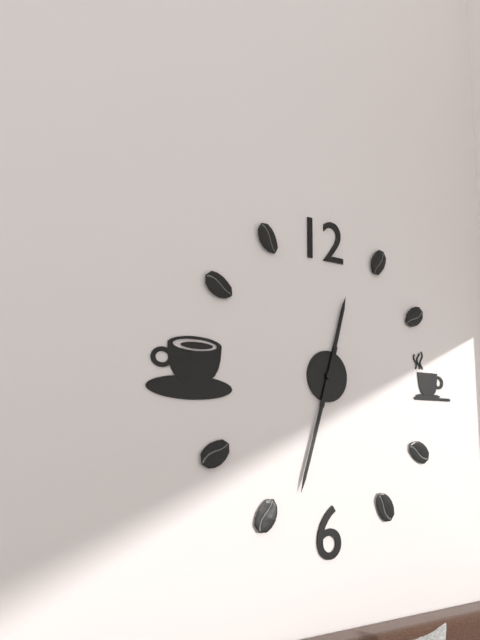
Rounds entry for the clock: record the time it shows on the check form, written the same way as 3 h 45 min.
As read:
12 h 33 min
